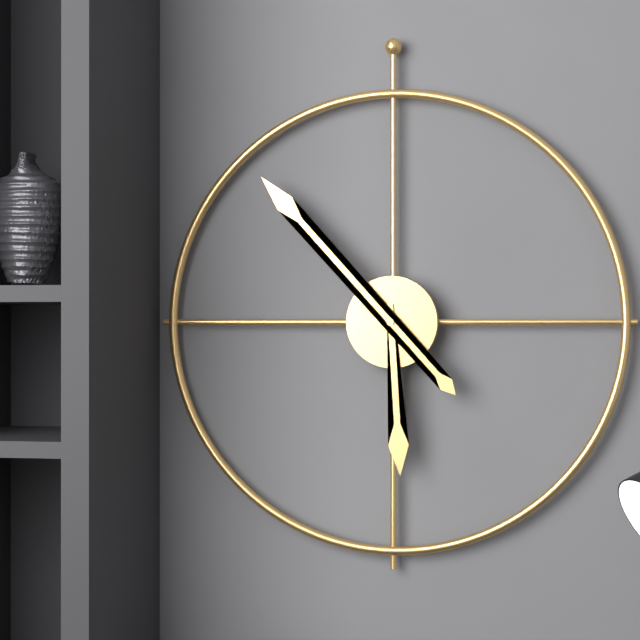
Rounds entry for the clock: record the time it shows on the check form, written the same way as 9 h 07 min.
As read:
5 h 53 min
